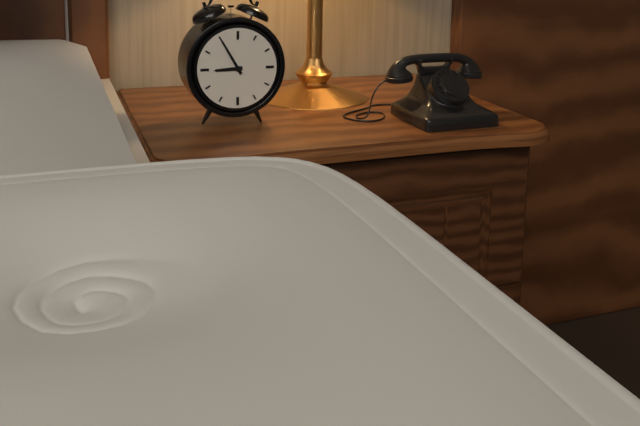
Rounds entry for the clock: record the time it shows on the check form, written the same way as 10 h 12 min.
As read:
8 h 55 min
